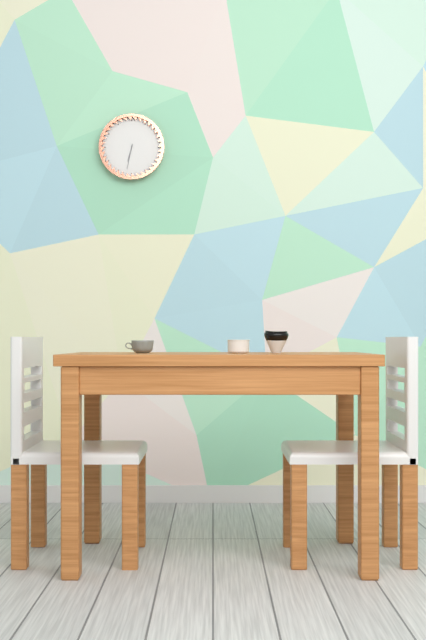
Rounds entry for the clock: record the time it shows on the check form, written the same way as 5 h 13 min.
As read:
6 h 32 min
